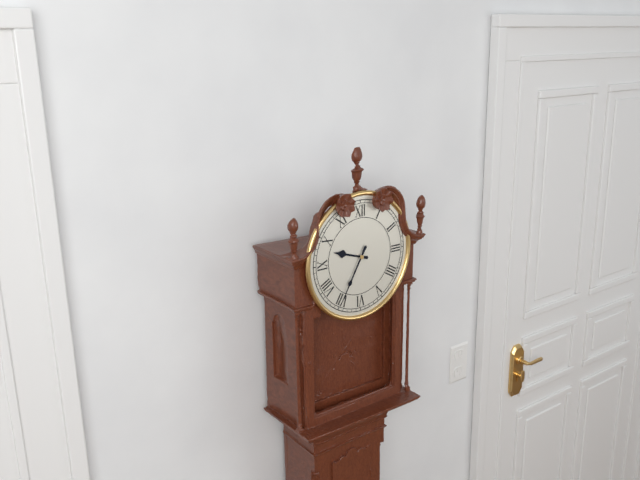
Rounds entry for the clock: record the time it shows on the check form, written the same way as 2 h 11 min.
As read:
9 h 35 min
